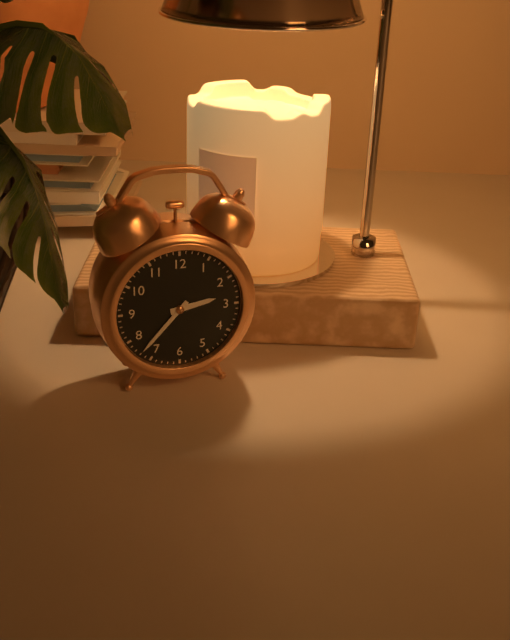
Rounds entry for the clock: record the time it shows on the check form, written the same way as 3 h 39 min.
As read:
2 h 37 min
